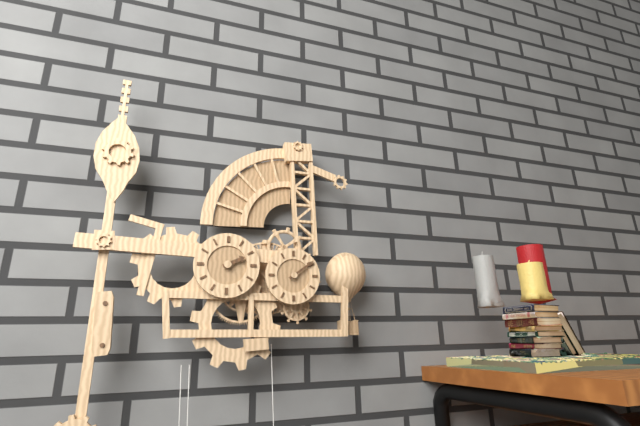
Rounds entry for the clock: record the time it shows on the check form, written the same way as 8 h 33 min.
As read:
2 h 09 min
